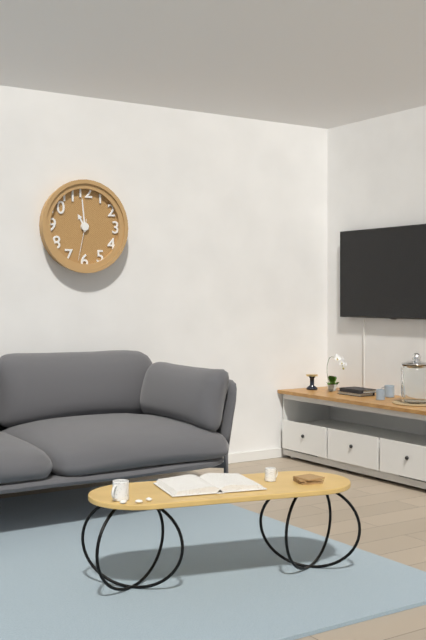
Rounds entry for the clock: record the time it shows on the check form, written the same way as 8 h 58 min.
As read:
10 h 59 min
